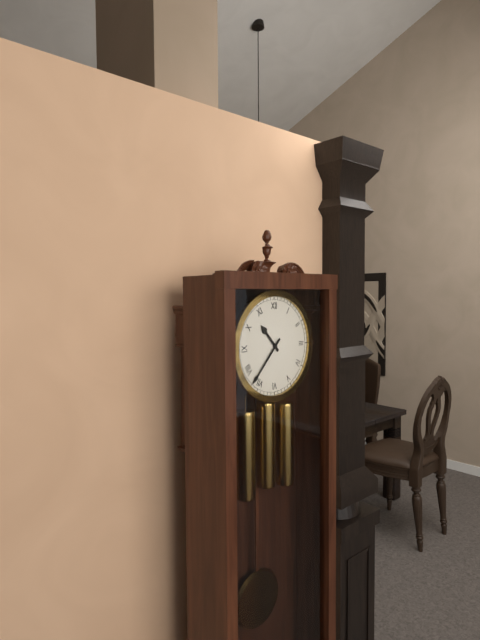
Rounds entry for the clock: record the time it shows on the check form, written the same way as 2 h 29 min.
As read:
10 h 37 min
